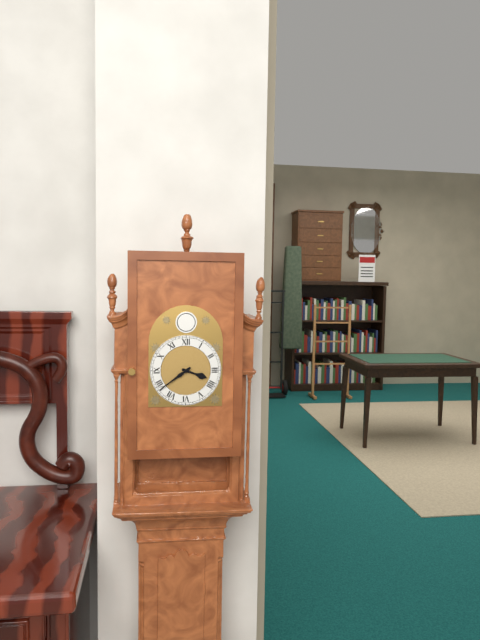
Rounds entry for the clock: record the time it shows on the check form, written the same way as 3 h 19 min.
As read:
3 h 39 min
